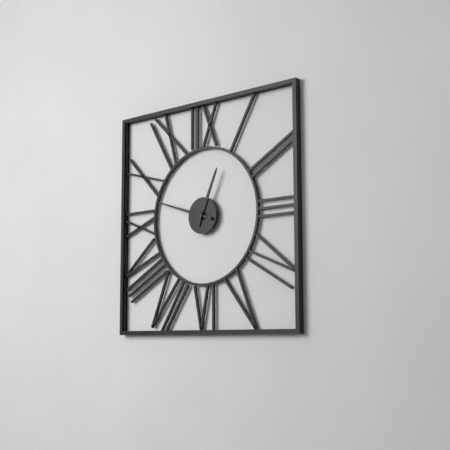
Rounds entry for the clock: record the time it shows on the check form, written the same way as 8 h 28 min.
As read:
12 h 48 min
